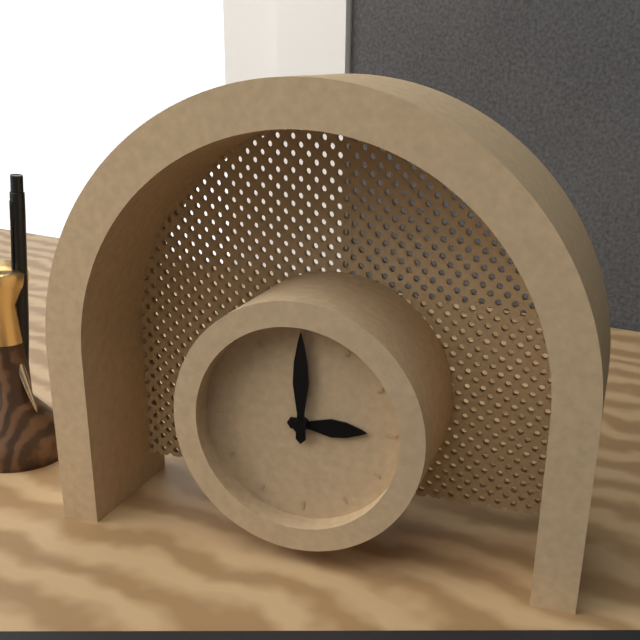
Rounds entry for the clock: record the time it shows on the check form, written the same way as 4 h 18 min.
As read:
3 h 00 min
